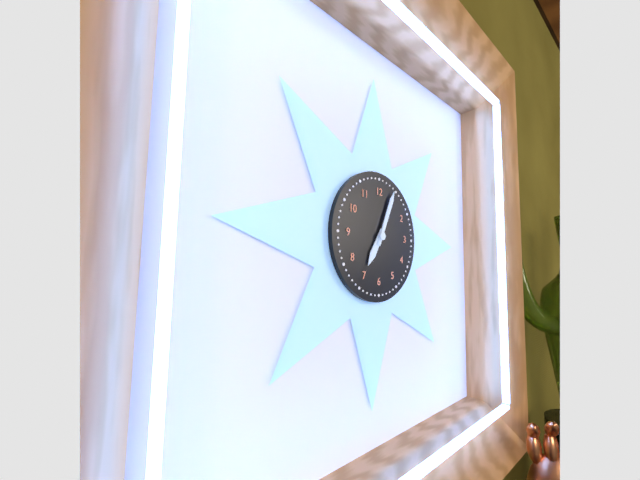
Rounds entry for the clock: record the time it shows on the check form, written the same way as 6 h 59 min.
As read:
7 h 04 min
